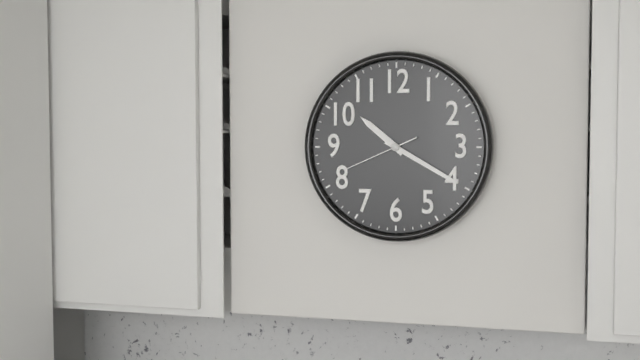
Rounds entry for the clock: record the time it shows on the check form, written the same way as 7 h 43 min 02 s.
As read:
10 h 20 min 41 s
